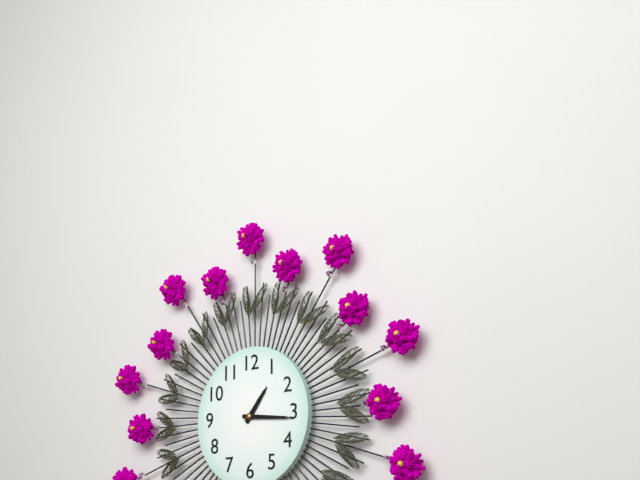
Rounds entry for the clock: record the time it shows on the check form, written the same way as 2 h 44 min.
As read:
1 h 16 min
